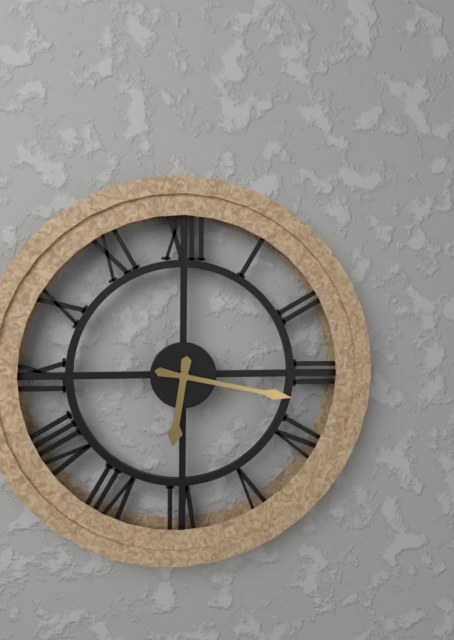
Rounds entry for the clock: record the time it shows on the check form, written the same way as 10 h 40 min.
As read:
6 h 17 min
